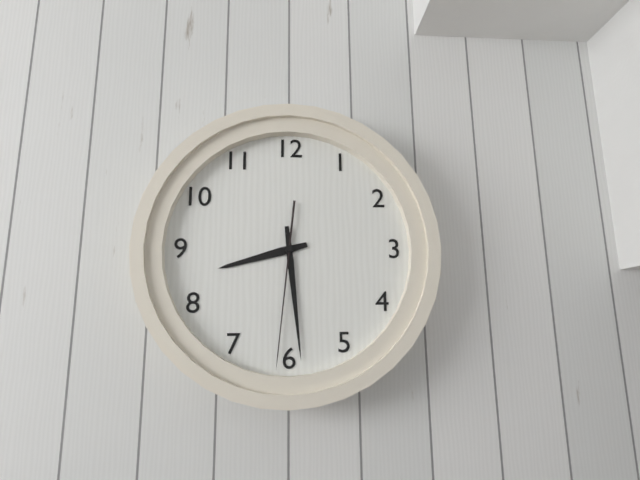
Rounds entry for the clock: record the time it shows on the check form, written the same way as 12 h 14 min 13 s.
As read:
8 h 29 min 31 s
